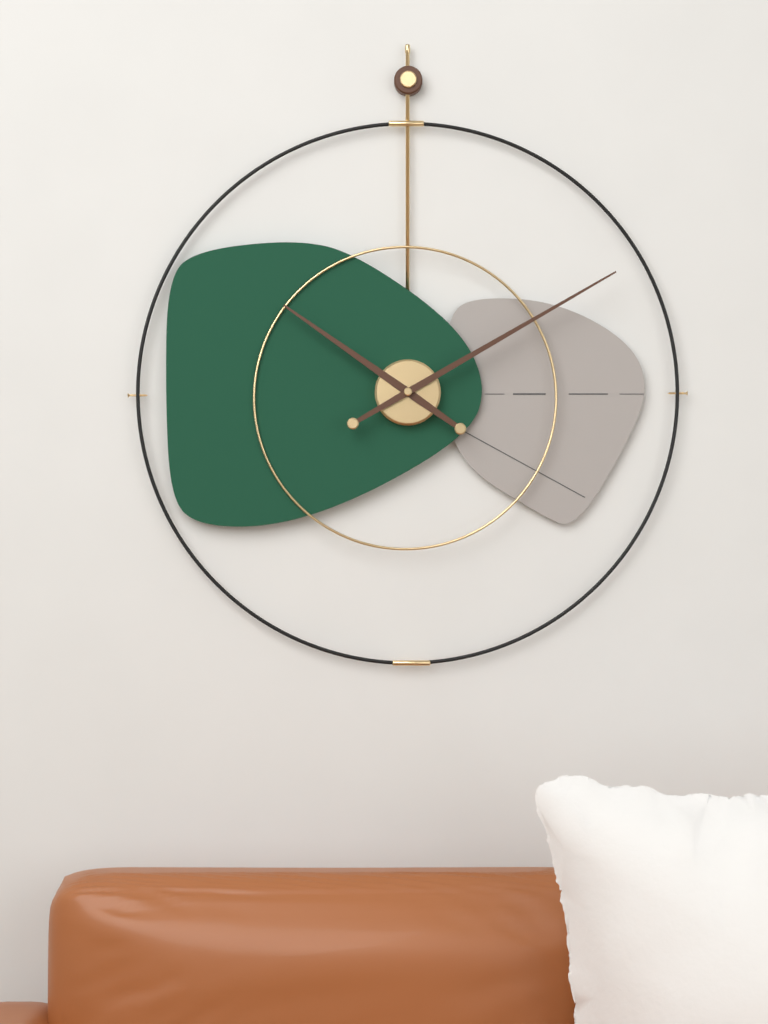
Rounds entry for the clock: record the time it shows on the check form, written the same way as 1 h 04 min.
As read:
10 h 10 min
